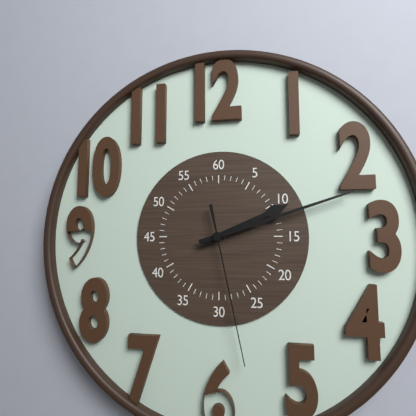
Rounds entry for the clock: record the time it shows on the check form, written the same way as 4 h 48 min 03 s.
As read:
2 h 12 min 28 s
